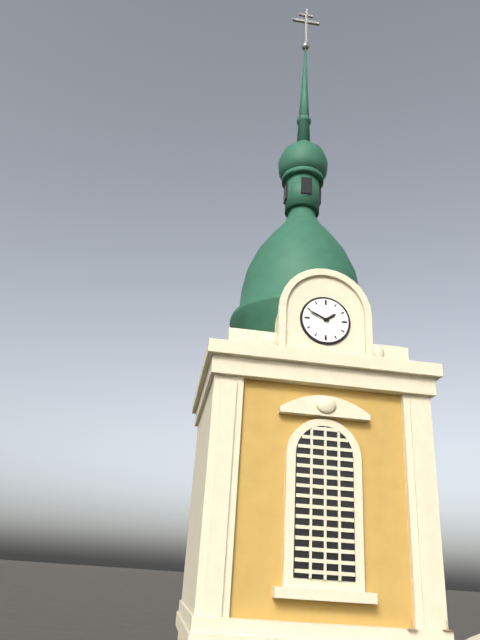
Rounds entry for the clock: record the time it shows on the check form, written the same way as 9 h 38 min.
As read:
1 h 49 min
